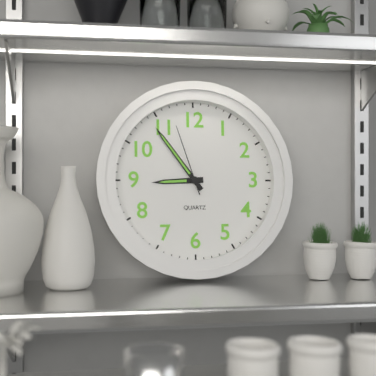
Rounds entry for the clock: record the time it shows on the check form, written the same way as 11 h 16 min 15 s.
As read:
8 h 54 min 57 s
